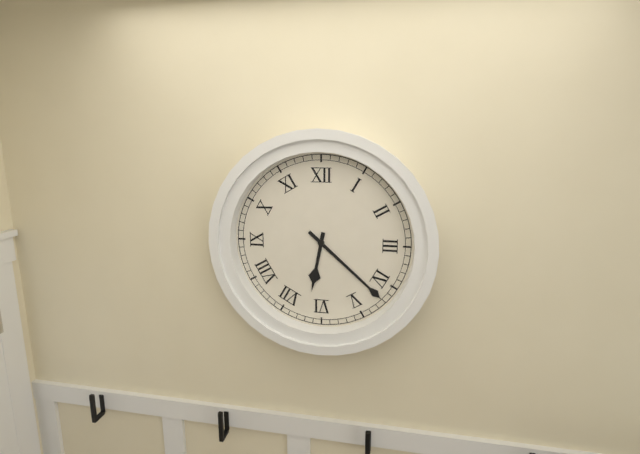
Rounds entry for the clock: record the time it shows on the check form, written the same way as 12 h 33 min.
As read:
6 h 22 min
